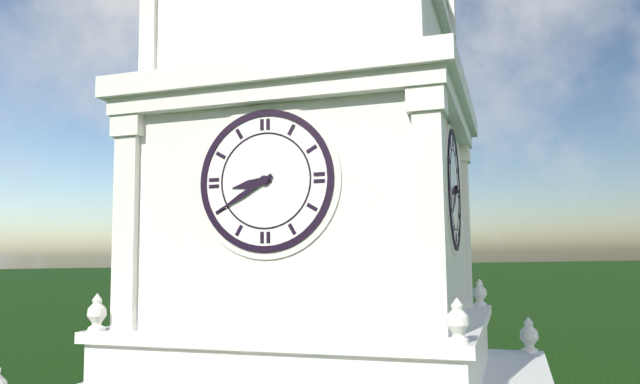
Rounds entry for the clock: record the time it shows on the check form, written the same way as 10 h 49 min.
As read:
8 h 40 min
